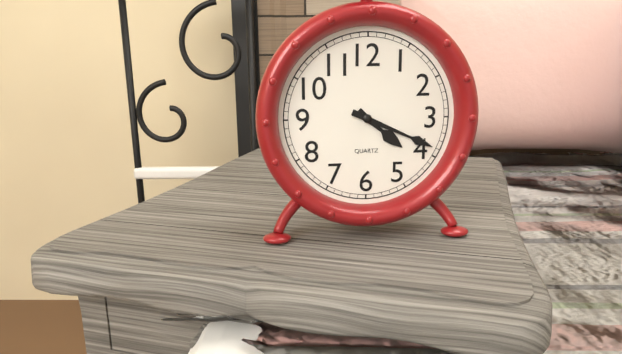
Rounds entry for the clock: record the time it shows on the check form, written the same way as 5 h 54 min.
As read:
4 h 19 min
